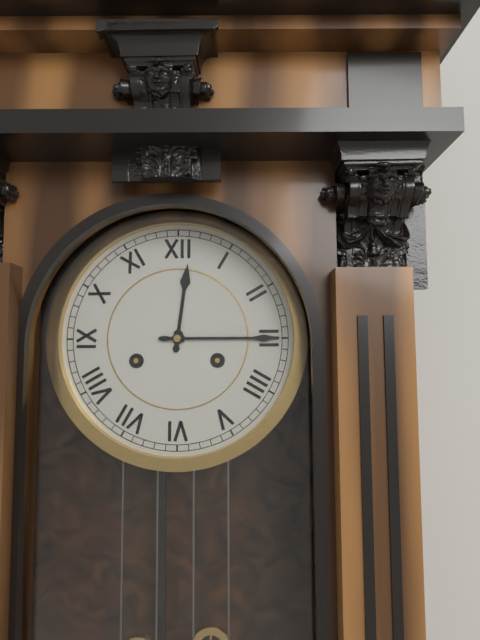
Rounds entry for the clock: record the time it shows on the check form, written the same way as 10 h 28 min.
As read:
12 h 15 min
